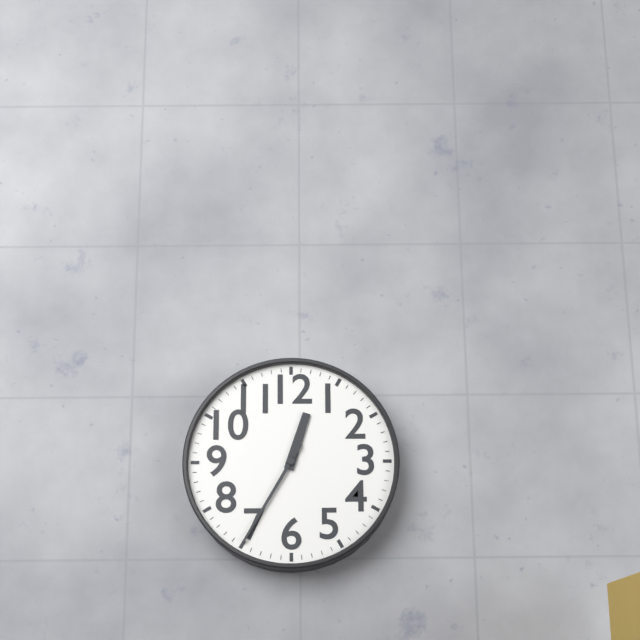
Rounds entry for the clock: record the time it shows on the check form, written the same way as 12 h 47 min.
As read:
12 h 35 min
